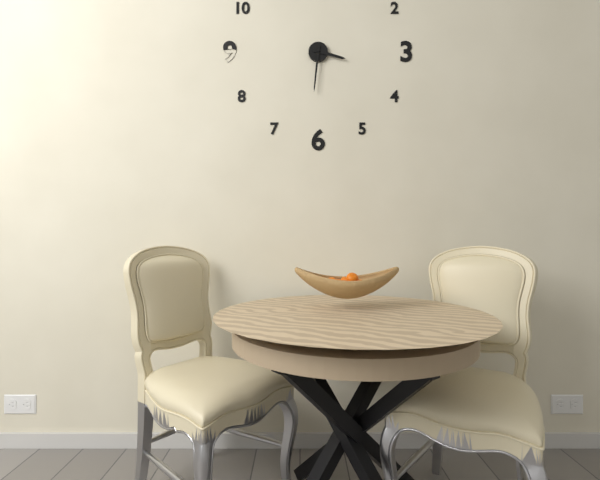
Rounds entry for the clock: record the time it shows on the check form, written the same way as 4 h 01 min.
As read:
3 h 31 min
